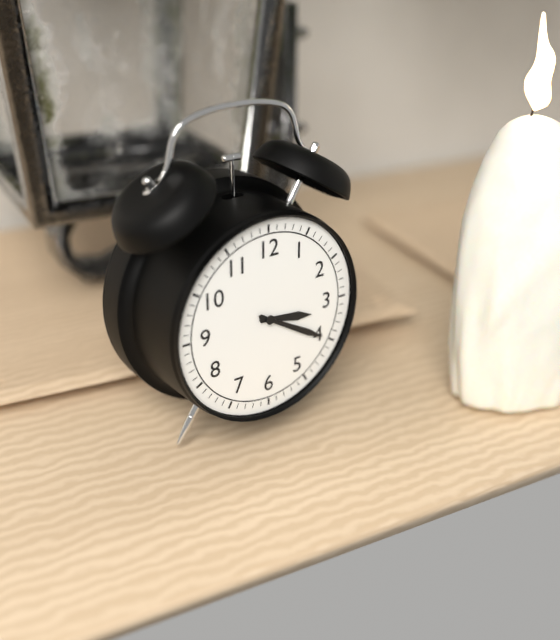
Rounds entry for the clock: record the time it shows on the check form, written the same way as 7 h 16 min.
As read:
3 h 20 min
